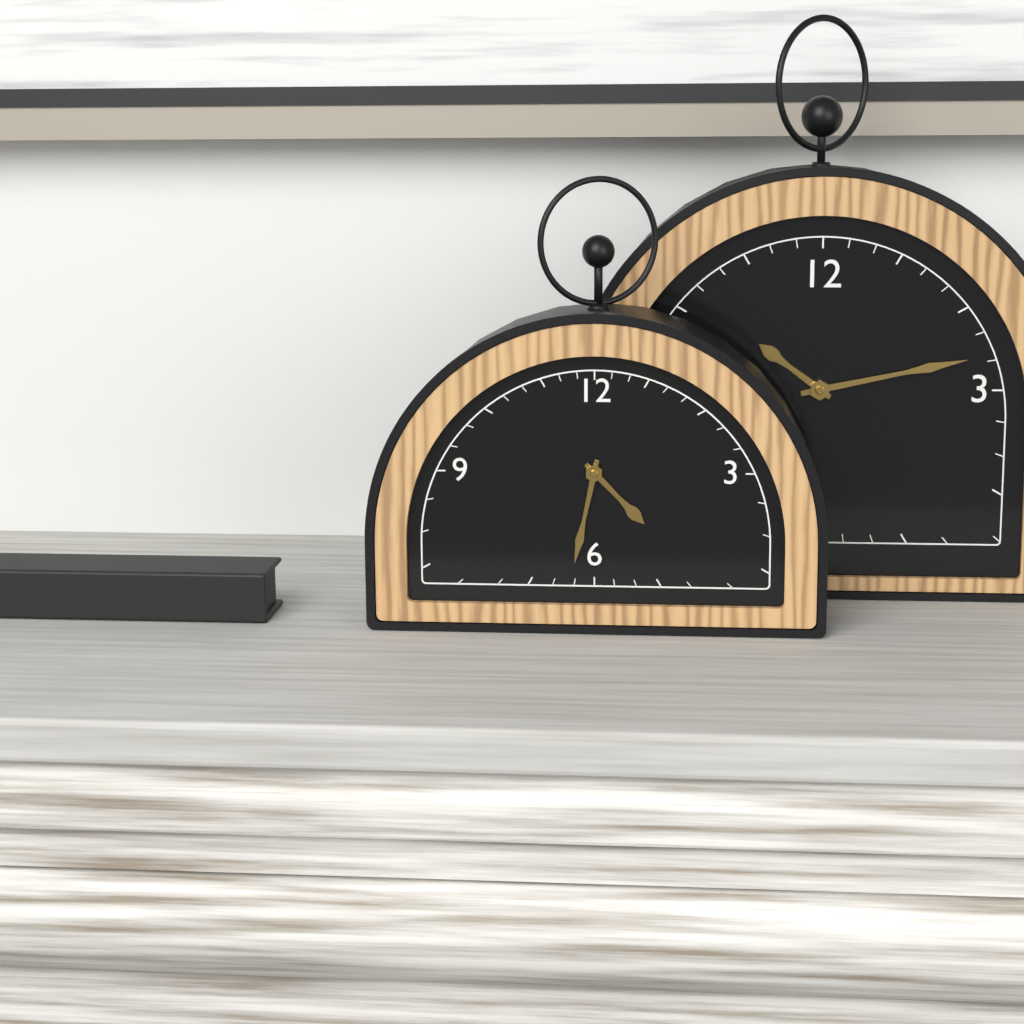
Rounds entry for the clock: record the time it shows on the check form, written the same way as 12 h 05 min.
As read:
4 h 32 min
